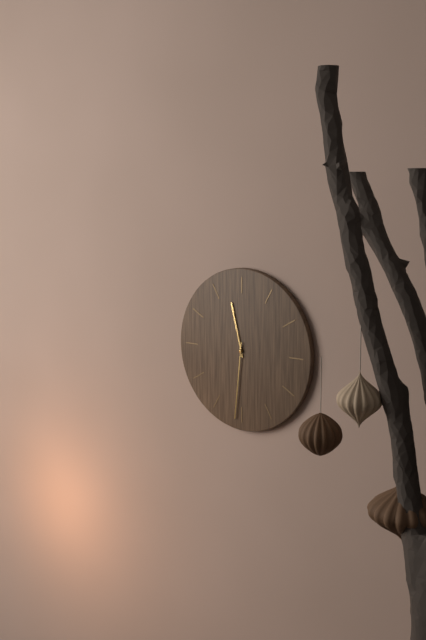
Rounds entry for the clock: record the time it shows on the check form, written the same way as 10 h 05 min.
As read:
11 h 31 min
